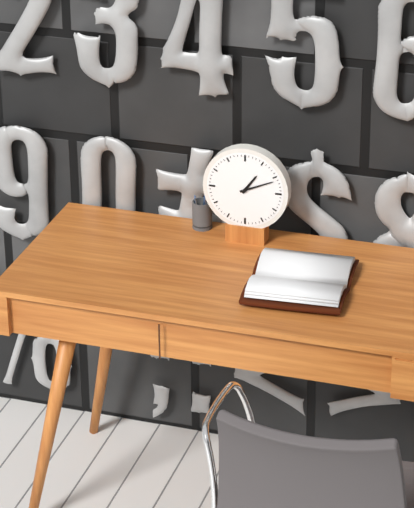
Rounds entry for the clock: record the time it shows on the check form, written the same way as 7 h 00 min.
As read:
1 h 11 min
